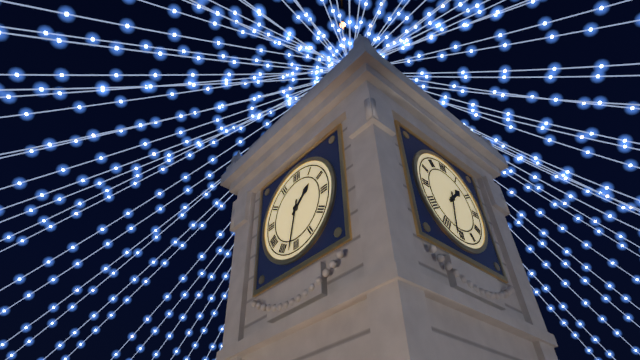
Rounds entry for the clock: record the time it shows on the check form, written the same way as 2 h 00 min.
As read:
1 h 32 min
